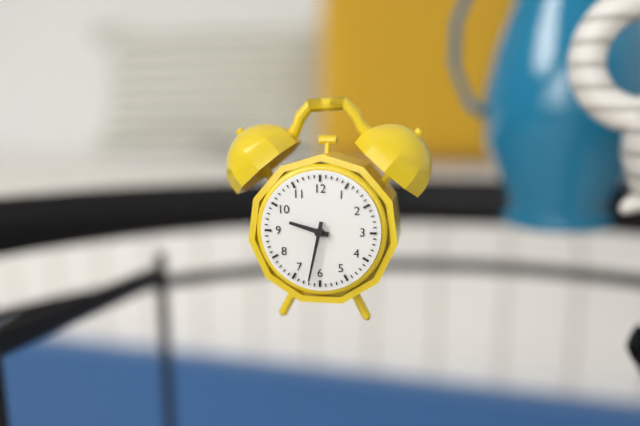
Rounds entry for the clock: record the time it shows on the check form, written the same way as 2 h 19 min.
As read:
9 h 32 min
